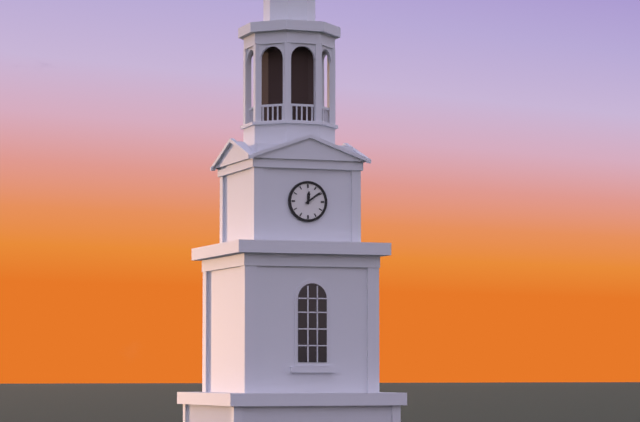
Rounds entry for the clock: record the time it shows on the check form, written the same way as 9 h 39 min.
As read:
12 h 09 min
